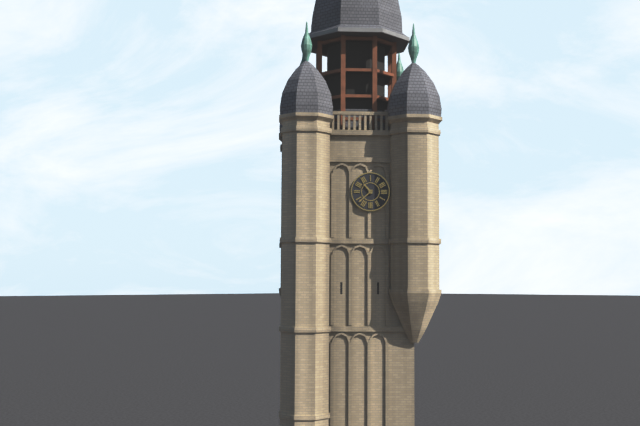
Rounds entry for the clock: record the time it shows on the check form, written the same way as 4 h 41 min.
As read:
10 h 38 min
